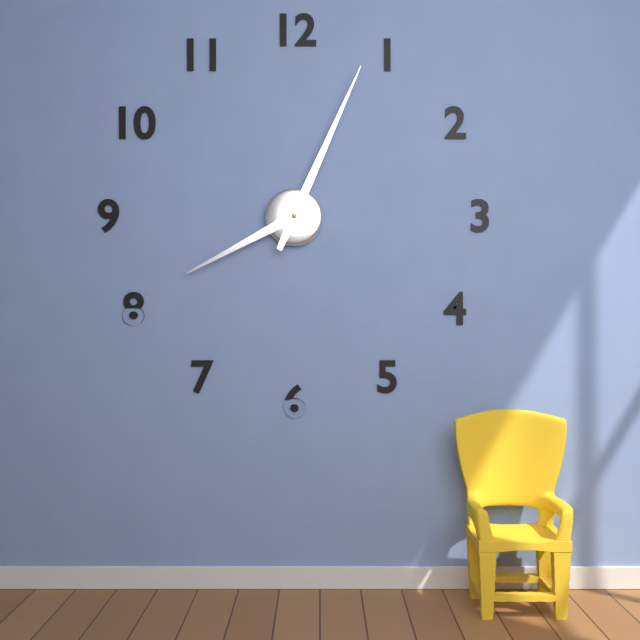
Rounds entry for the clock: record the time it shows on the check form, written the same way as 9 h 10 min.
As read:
8 h 04 min
